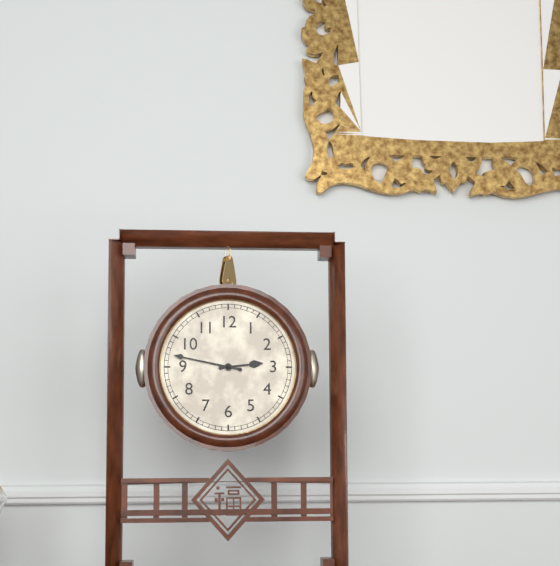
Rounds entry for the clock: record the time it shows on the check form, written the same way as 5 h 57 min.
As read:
2 h 47 min
